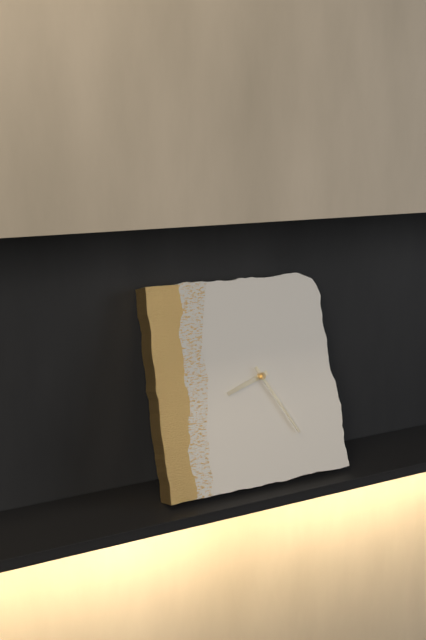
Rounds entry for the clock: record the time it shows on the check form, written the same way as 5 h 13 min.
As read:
8 h 25 min
